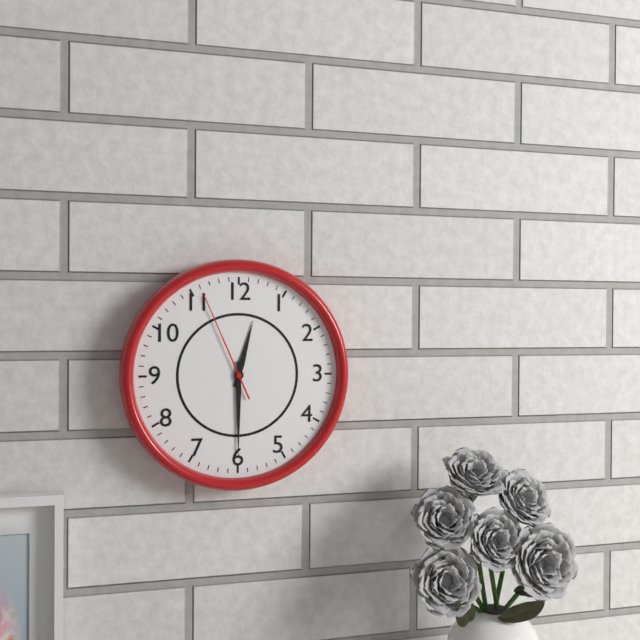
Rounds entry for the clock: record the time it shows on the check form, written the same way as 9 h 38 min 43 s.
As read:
12 h 30 min 56 s
